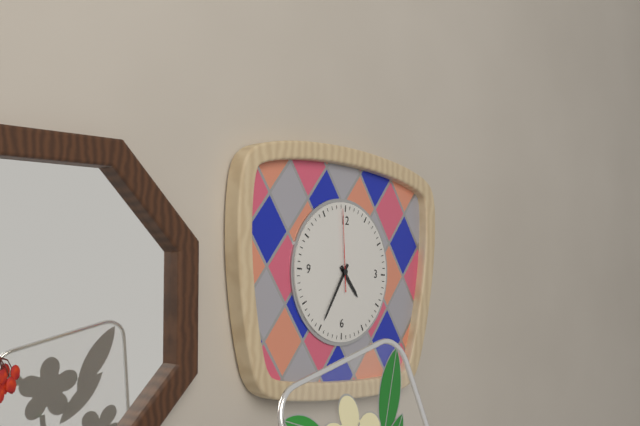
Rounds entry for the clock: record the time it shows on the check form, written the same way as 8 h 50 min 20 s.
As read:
4 h 35 min 59 s
